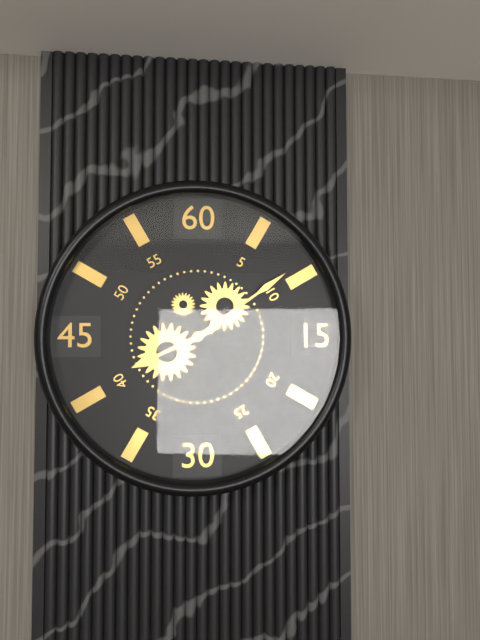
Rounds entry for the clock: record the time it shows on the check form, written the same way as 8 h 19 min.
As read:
8 h 09 min
